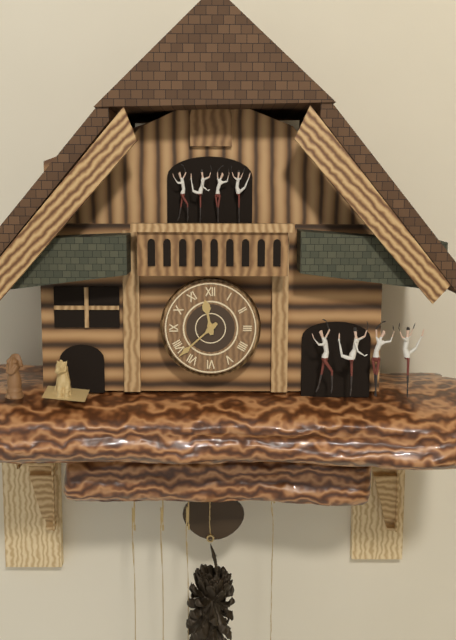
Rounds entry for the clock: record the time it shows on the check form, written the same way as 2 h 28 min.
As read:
11 h 38 min
